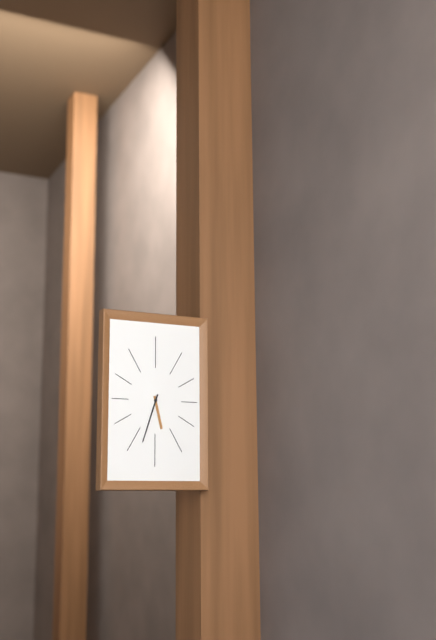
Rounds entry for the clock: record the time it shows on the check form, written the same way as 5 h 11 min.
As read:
5 h 33 min
